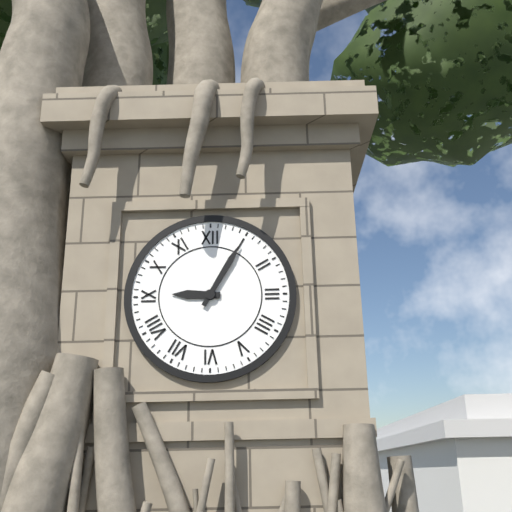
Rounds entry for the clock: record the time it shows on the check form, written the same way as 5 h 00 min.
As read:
9 h 05 min
